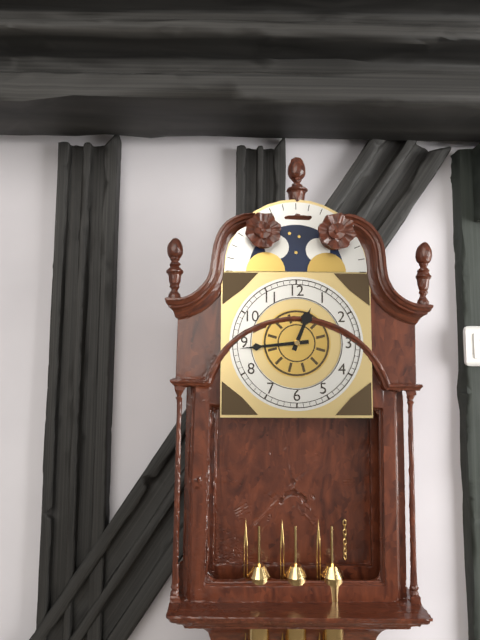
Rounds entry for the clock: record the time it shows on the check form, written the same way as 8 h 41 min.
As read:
12 h 44 min
